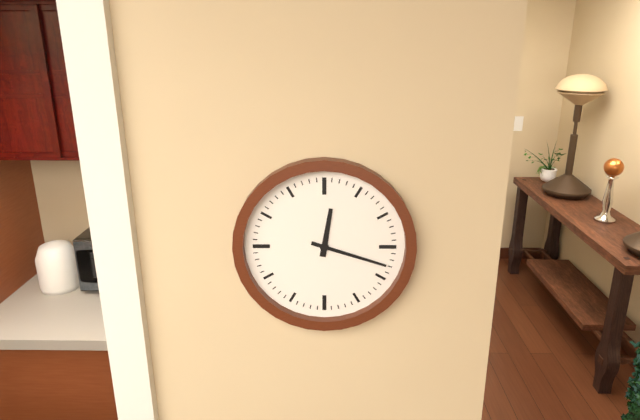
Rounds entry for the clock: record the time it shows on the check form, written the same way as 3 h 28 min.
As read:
12 h 18 min
